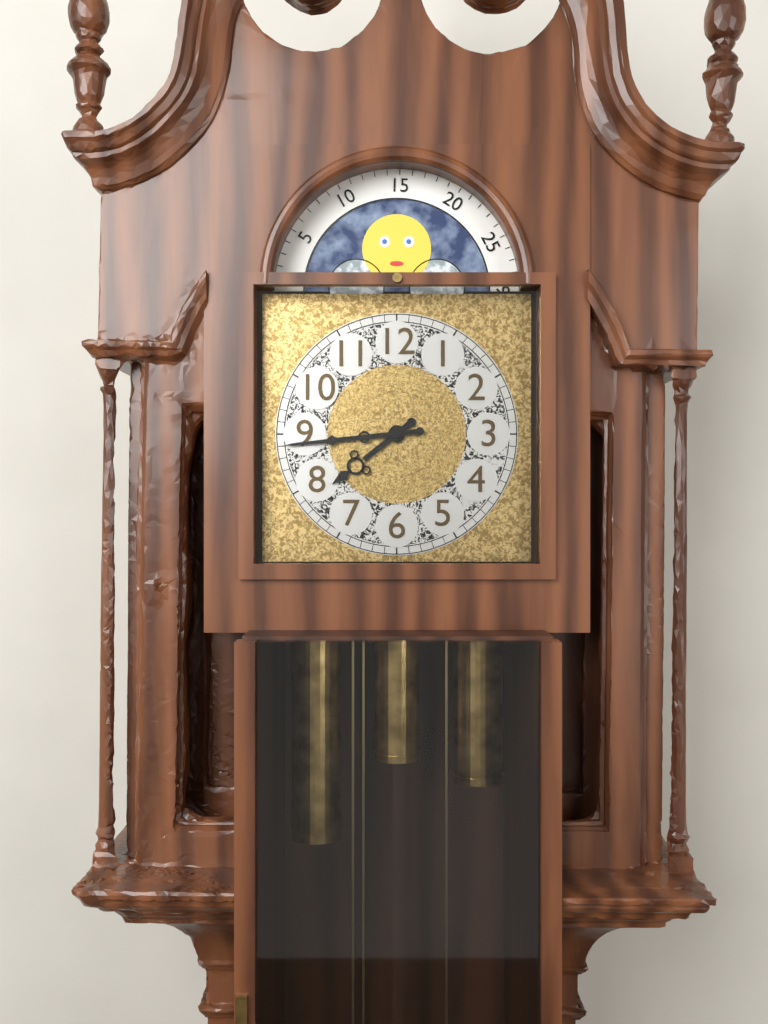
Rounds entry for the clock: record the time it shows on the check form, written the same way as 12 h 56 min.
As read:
7 h 44 min
